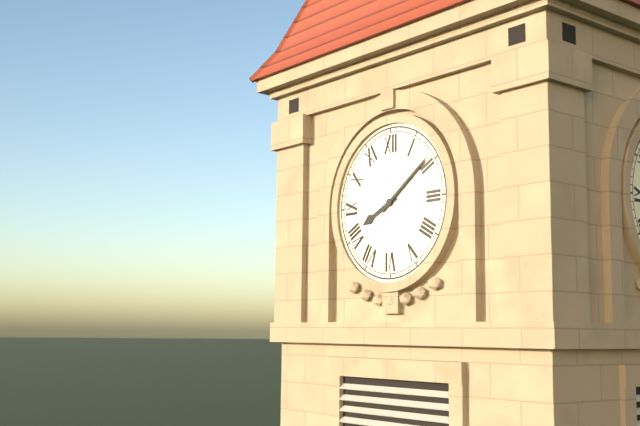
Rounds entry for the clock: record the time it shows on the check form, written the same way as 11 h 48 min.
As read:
8 h 09 min
